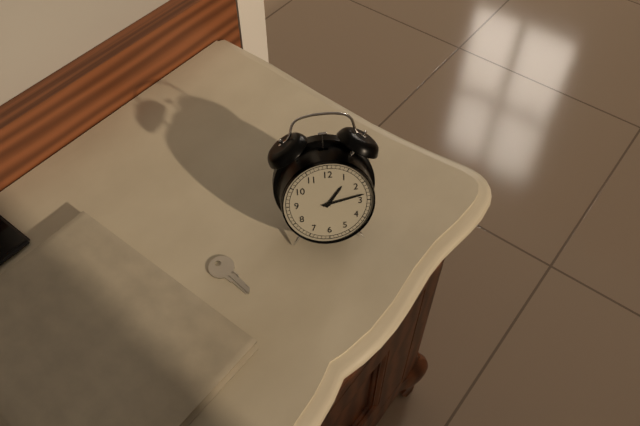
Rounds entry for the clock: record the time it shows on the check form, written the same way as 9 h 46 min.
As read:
1 h 13 min
